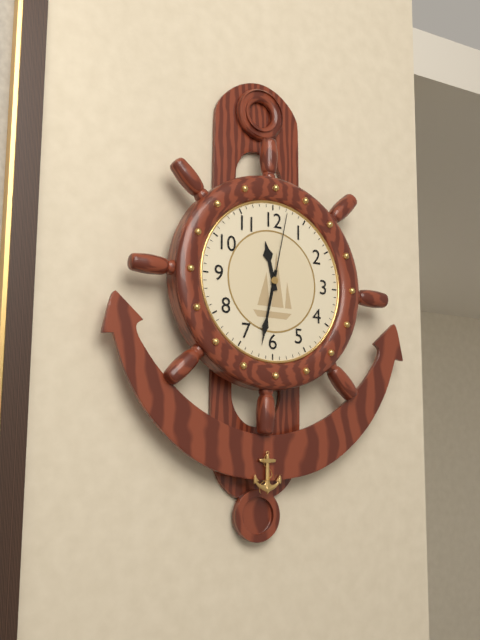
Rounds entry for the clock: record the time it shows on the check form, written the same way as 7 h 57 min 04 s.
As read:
11 h 32 min 02 s
